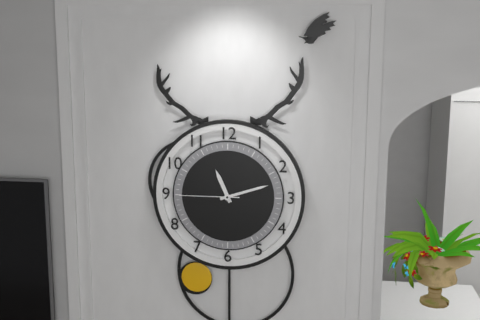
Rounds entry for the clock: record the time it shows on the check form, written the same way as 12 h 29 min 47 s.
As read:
11 h 12 min 45 s
